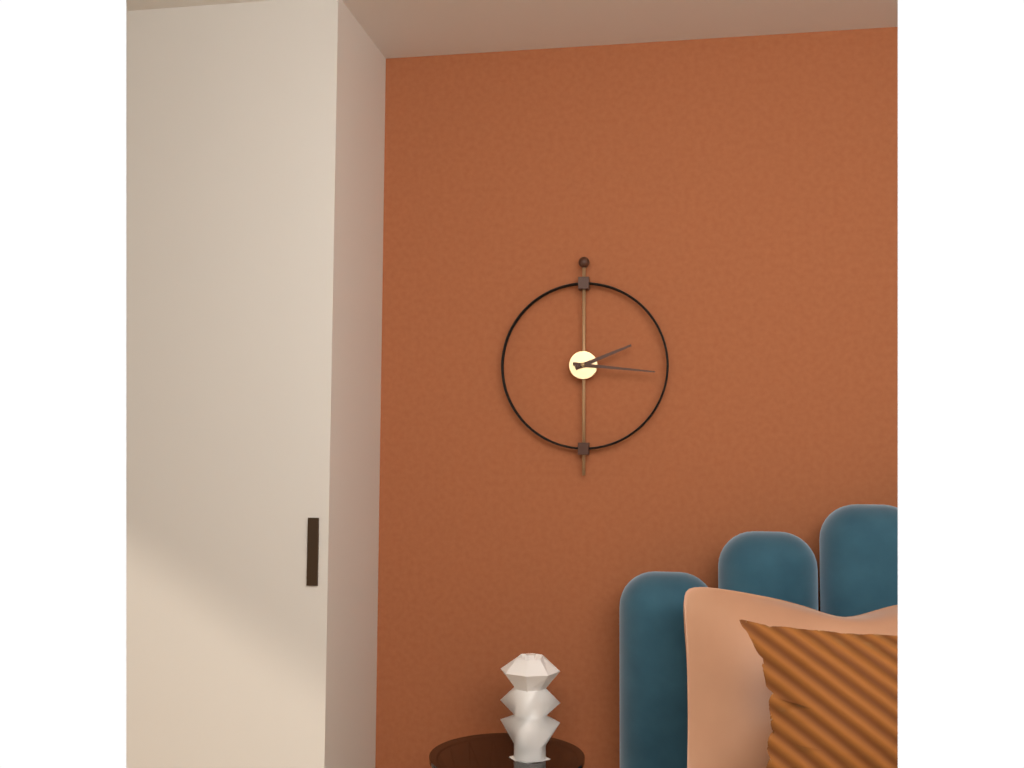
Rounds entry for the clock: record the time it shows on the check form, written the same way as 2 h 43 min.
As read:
2 h 16 min
